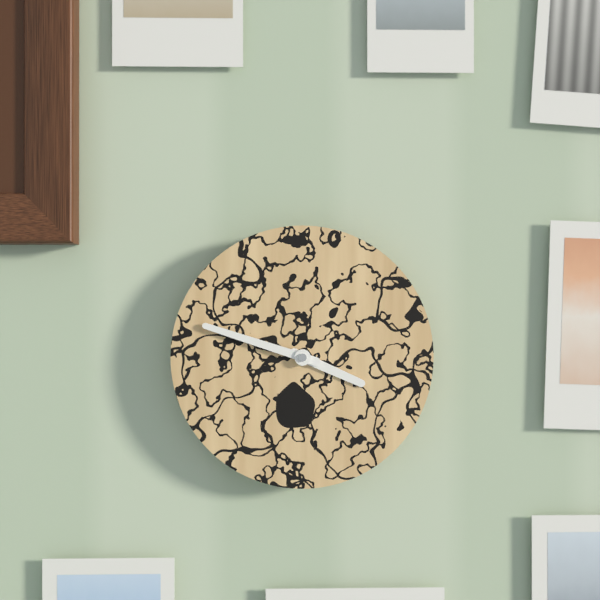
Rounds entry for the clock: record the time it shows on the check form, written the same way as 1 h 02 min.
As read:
3 h 48 min
